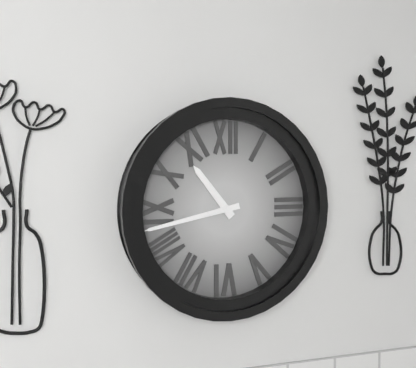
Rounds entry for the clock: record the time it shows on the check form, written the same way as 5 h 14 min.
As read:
10 h 43 min
